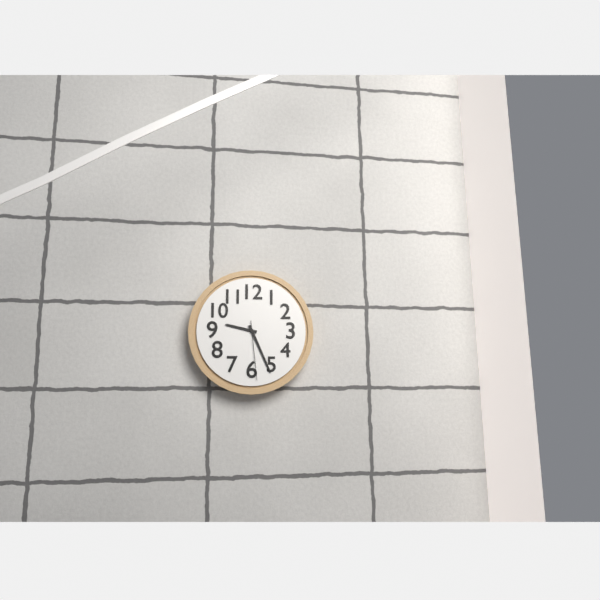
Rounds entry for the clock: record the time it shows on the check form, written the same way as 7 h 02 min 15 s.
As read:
9 h 26 min 29 s
